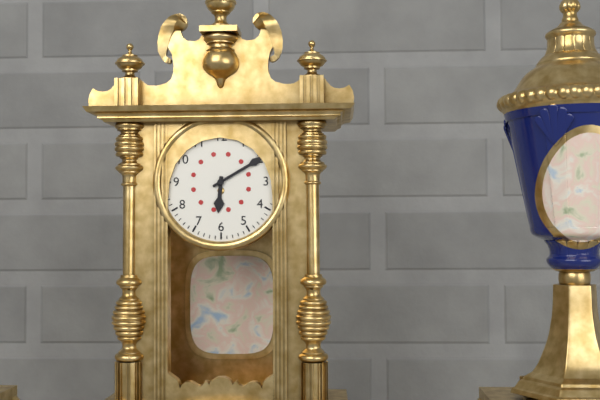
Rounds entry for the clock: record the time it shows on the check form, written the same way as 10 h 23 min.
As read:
6 h 10 min
